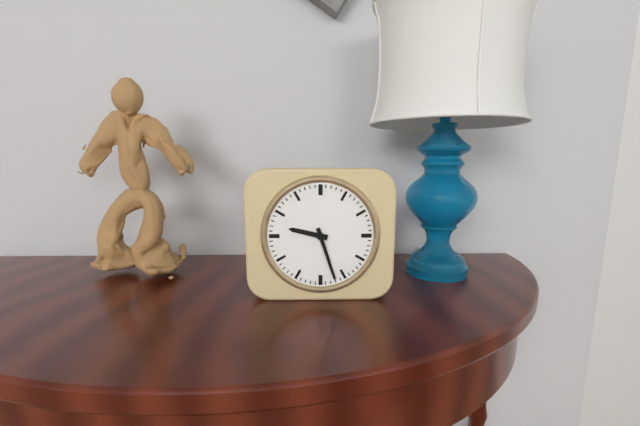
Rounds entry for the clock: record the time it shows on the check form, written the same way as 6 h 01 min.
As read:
9 h 27 min
